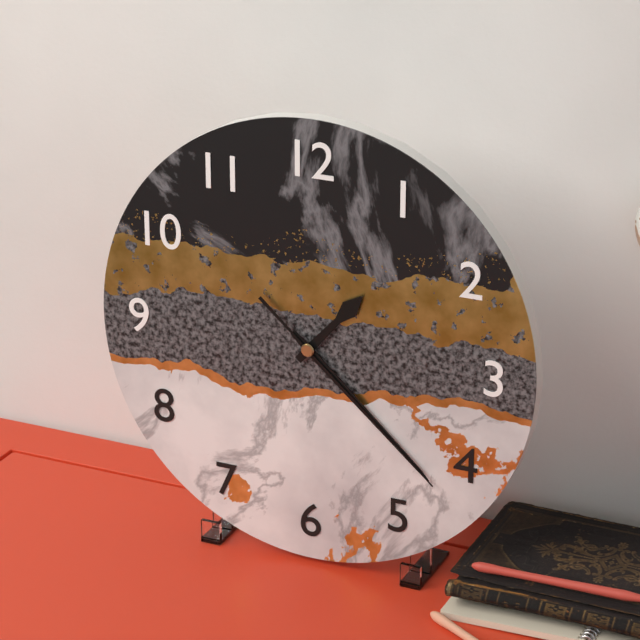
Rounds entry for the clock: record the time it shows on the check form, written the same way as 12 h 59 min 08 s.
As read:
1 h 22 min 22 s
